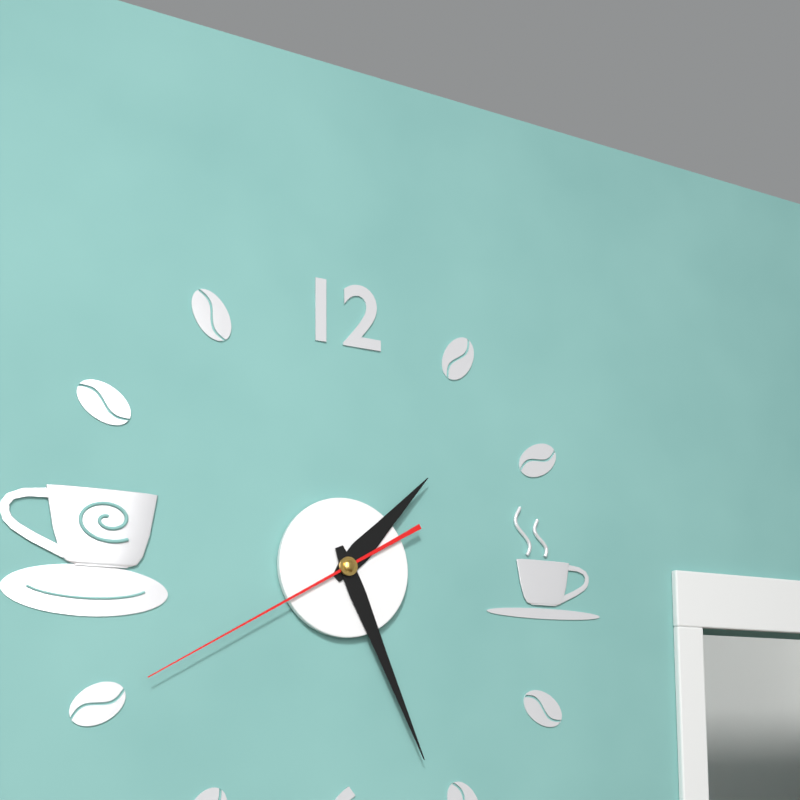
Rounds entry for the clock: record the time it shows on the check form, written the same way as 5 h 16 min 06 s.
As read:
1 h 26 min 40 s
